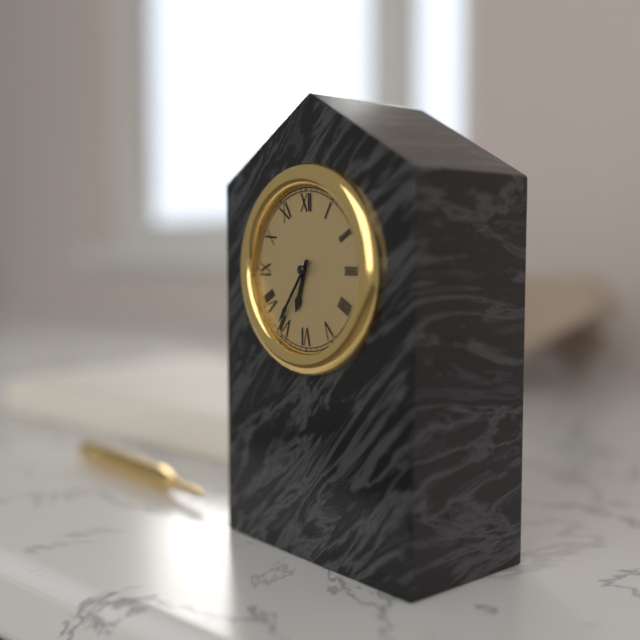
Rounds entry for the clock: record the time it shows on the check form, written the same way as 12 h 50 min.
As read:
6 h 36 min
